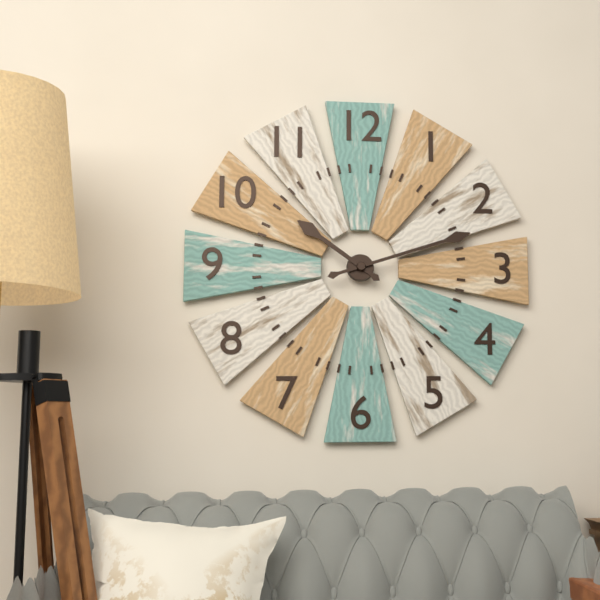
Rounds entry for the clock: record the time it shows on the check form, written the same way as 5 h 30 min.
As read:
10 h 12 min
